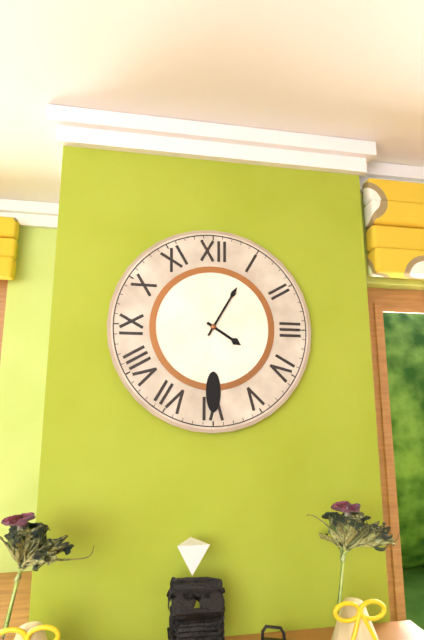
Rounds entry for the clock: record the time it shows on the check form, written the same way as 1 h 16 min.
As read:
4 h 05 min
